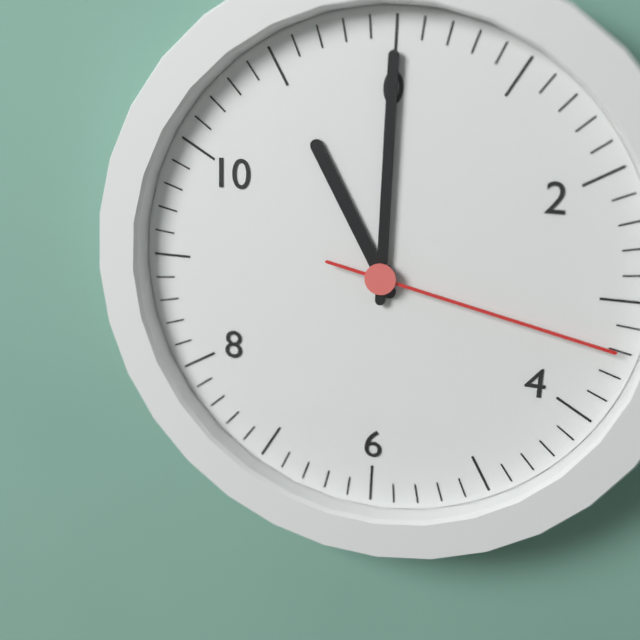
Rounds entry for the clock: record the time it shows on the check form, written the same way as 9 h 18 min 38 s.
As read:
11 h 00 min 17 s
